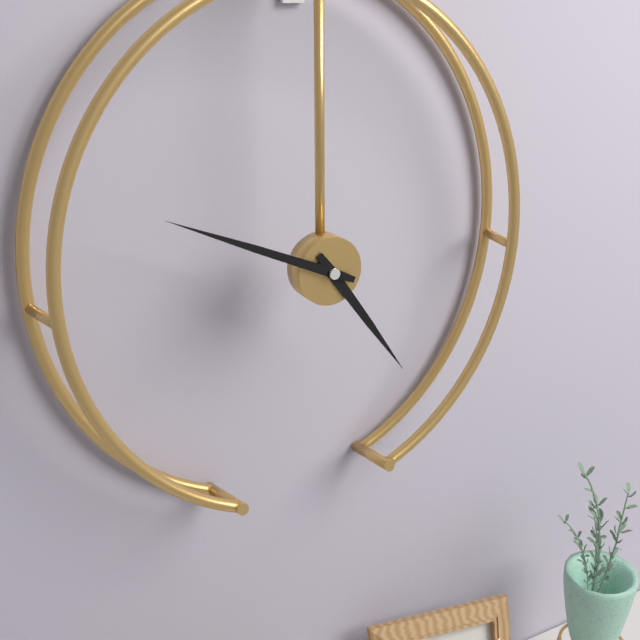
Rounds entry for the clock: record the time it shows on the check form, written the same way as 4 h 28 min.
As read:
4 h 49 min
